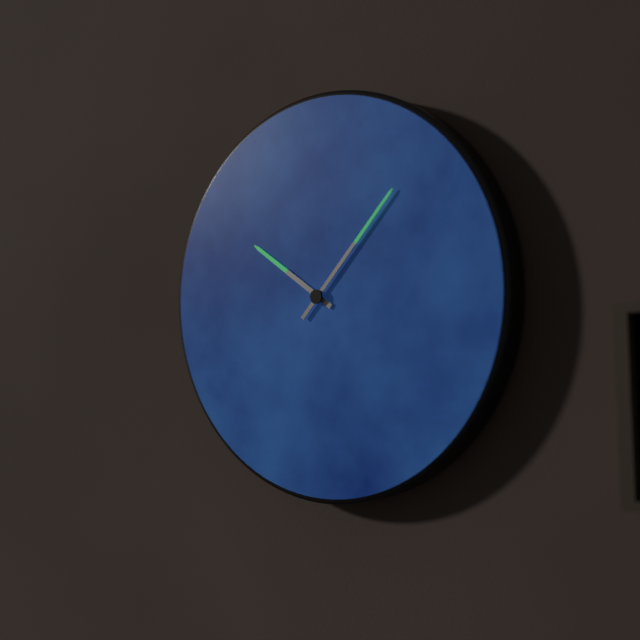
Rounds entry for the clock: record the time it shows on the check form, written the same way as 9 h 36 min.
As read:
10 h 07 min
